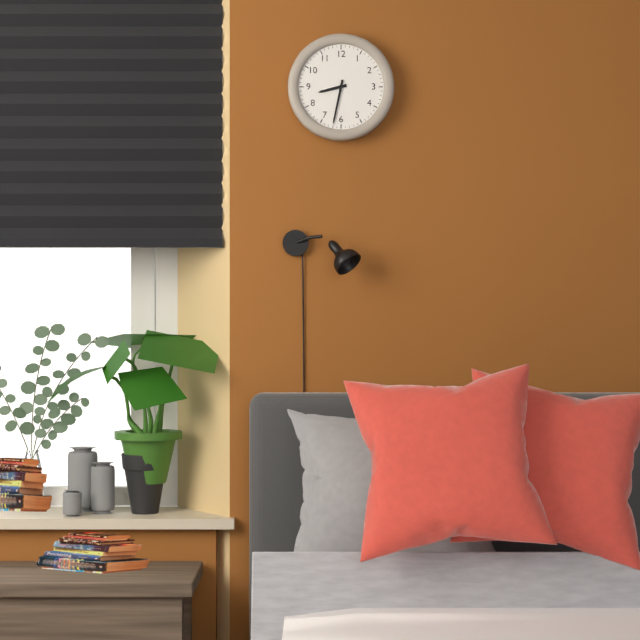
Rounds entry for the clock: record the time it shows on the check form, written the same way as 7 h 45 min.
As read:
8 h 32 min
